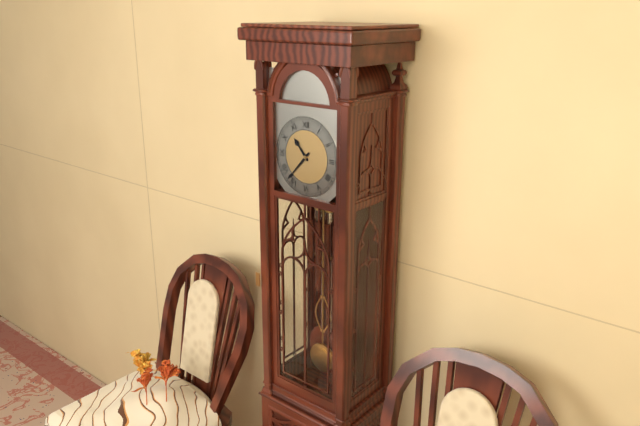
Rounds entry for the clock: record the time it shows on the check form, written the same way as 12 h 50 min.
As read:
10 h 37 min
